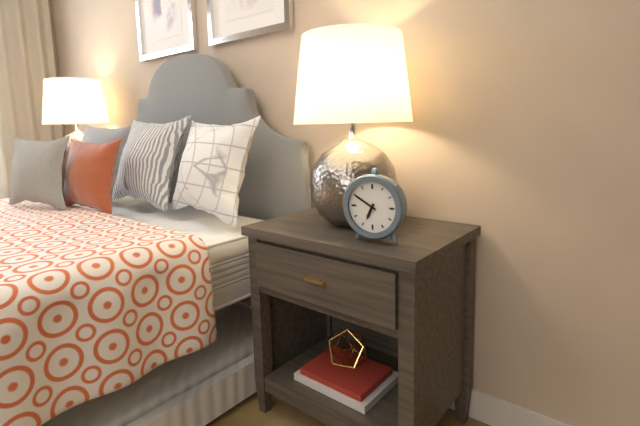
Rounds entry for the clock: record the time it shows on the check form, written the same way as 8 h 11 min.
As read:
6 h 50 min
